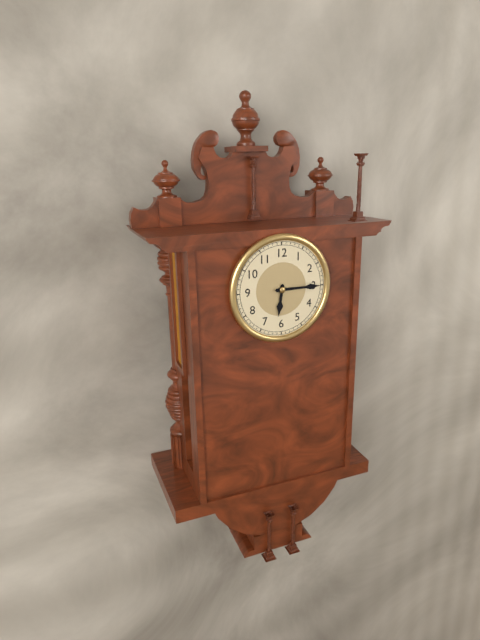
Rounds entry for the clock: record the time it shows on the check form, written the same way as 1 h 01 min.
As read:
6 h 15 min
